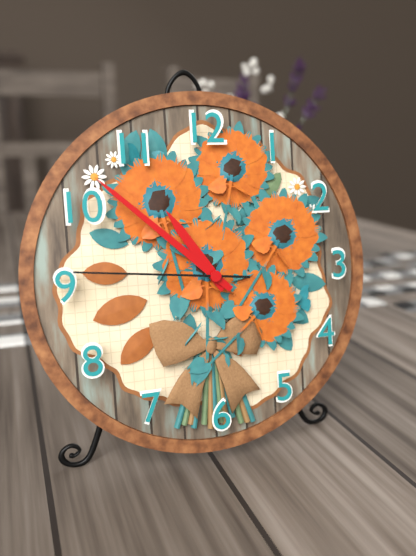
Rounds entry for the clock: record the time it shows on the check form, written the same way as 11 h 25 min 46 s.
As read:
10 h 52 min 46 s
